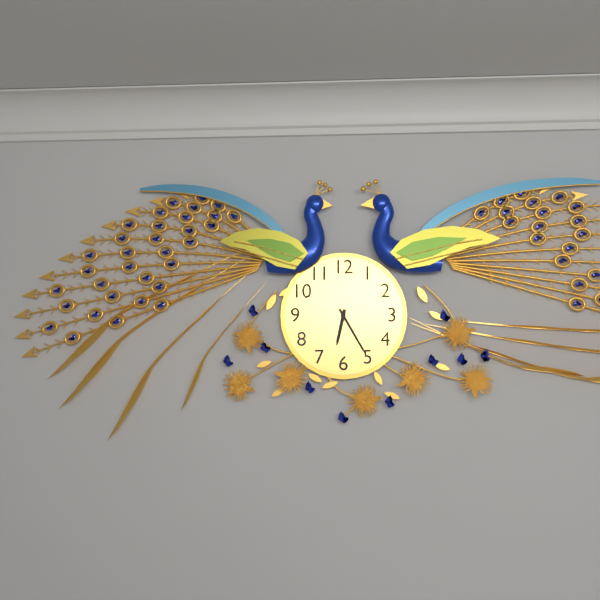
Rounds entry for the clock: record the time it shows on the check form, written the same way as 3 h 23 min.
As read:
6 h 25 min
